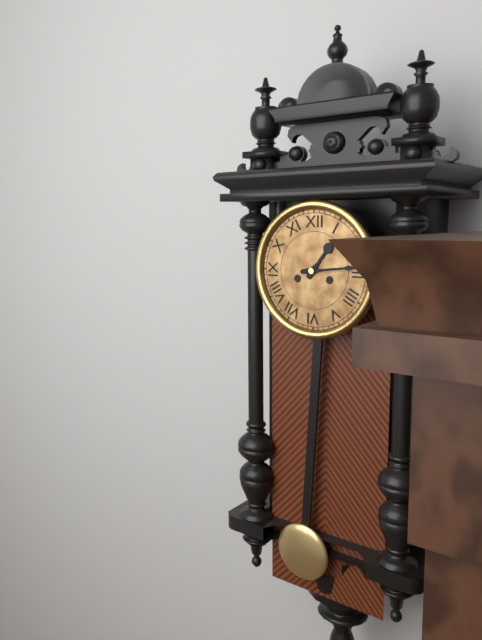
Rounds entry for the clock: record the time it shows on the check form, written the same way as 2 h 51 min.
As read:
1 h 14 min
